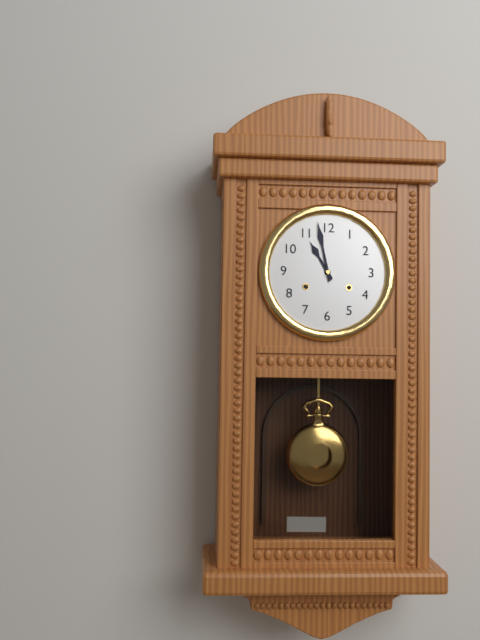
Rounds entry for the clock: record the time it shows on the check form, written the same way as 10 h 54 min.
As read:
10 h 58 min
